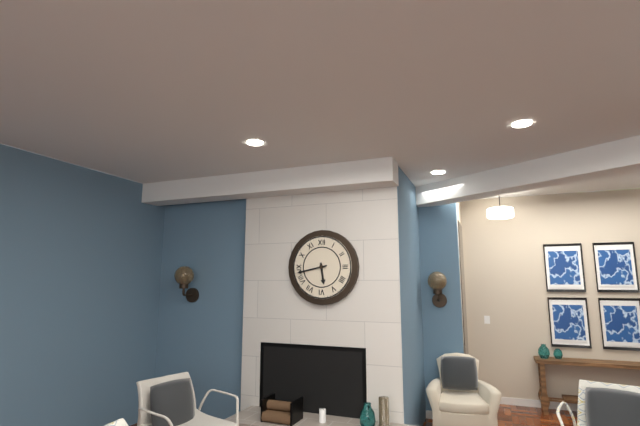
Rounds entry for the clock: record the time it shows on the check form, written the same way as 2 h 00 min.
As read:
5 h 43 min
